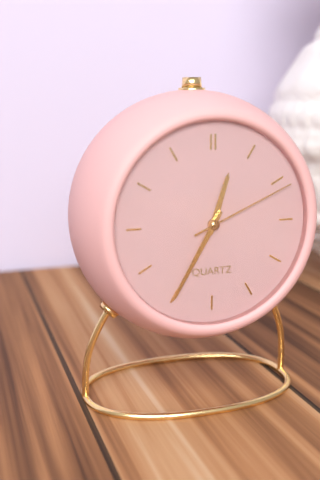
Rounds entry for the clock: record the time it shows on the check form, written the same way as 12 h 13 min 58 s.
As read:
12 h 35 min 11 s
